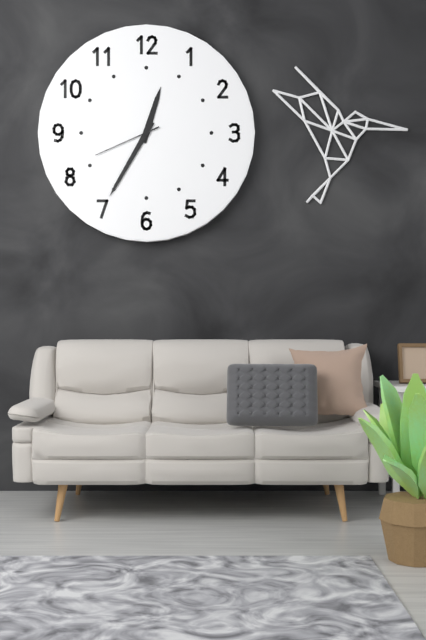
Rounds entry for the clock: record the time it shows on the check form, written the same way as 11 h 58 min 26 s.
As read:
12 h 35 min 41 s
